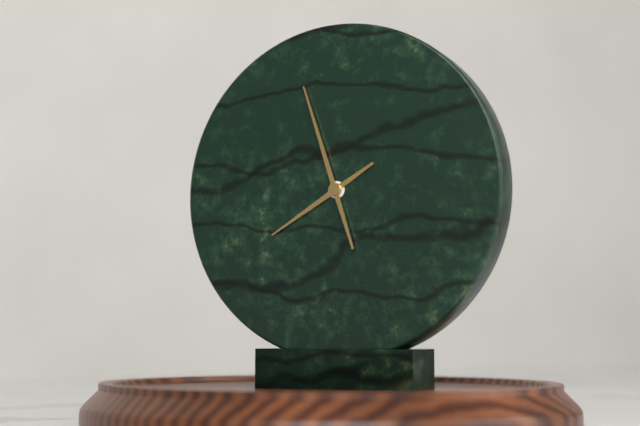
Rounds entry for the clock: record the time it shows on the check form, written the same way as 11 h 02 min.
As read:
7 h 57 min
